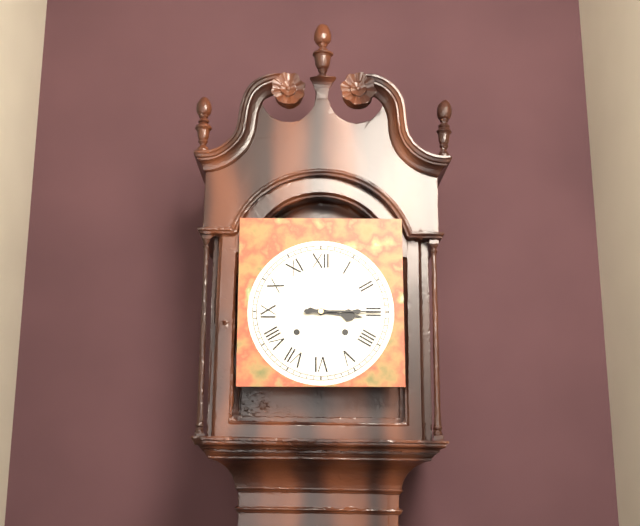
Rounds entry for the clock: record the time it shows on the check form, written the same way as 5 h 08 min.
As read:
3 h 15 min
